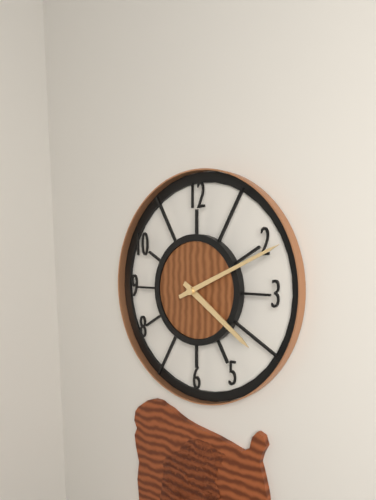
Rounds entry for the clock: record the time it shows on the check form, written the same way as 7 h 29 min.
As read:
4 h 11 min
